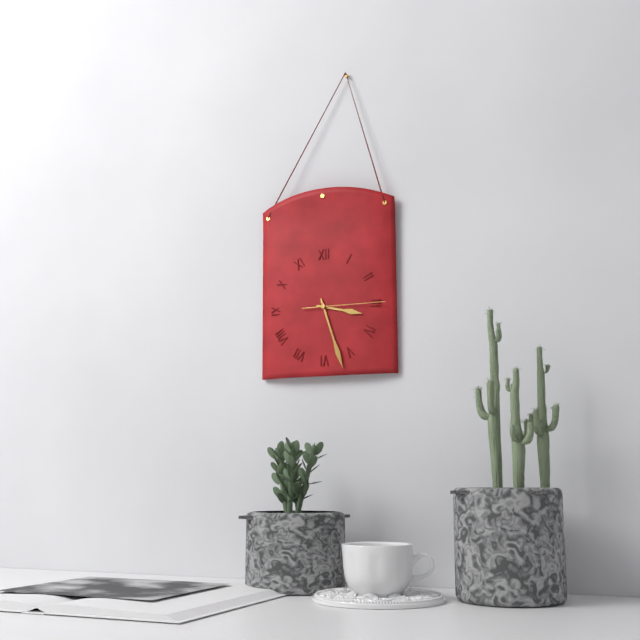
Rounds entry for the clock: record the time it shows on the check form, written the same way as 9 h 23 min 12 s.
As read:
3 h 27 min 15 s
